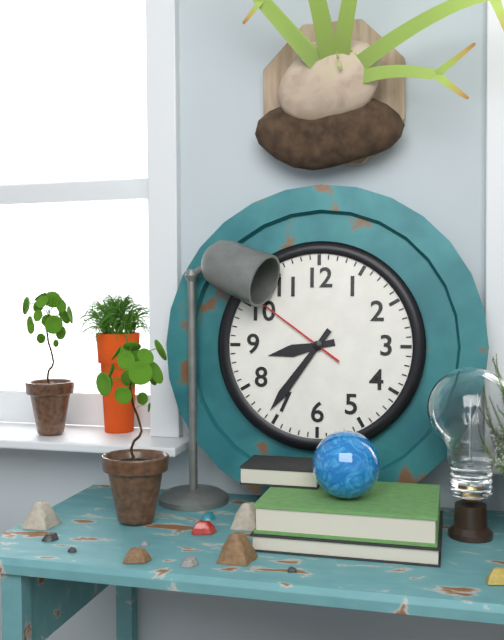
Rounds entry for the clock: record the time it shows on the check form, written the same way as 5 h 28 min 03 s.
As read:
8 h 36 min 51 s
